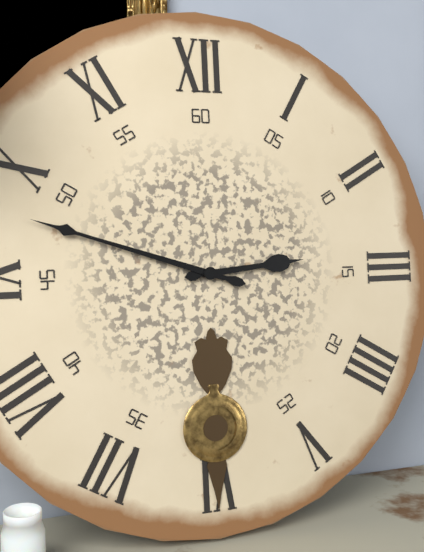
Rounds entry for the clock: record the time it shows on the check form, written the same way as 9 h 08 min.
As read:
2 h 48 min
